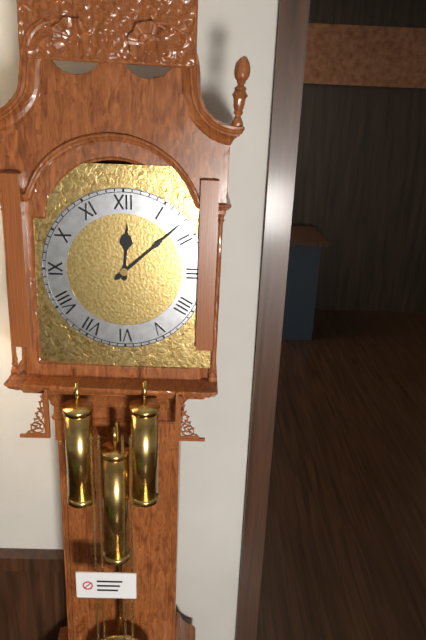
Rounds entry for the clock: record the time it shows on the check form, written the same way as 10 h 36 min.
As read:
12 h 08 min
